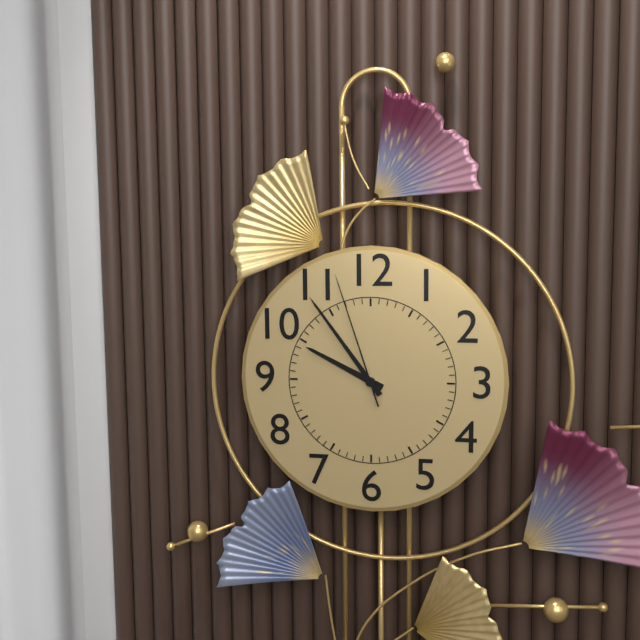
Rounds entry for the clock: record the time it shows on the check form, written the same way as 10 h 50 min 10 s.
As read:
9 h 54 min 57 s
